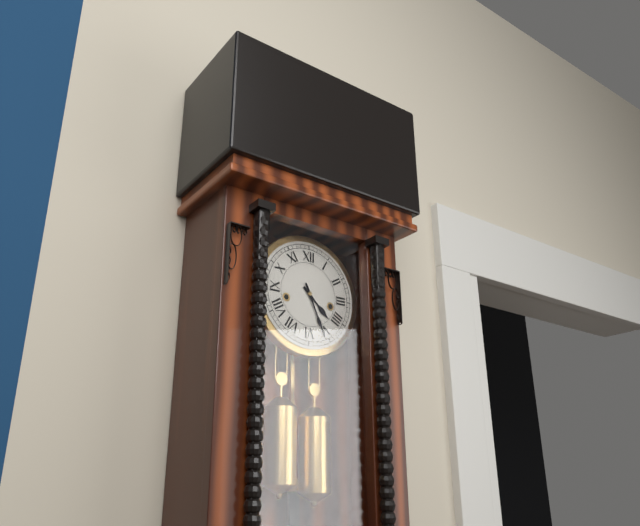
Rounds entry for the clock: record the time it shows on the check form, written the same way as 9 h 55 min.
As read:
4 h 26 min
